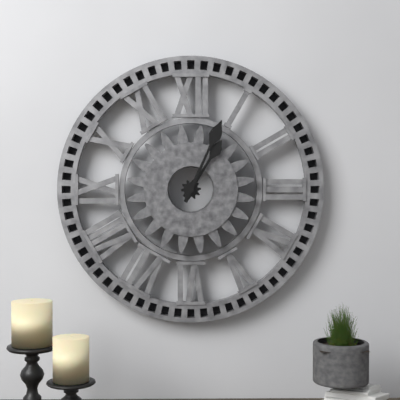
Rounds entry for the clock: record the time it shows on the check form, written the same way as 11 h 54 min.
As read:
1 h 04 min
